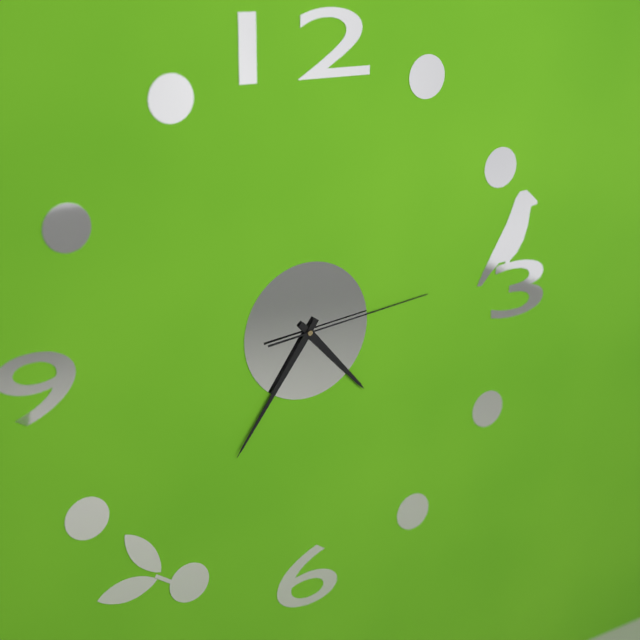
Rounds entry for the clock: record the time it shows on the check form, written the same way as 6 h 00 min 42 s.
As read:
4 h 36 min 14 s
